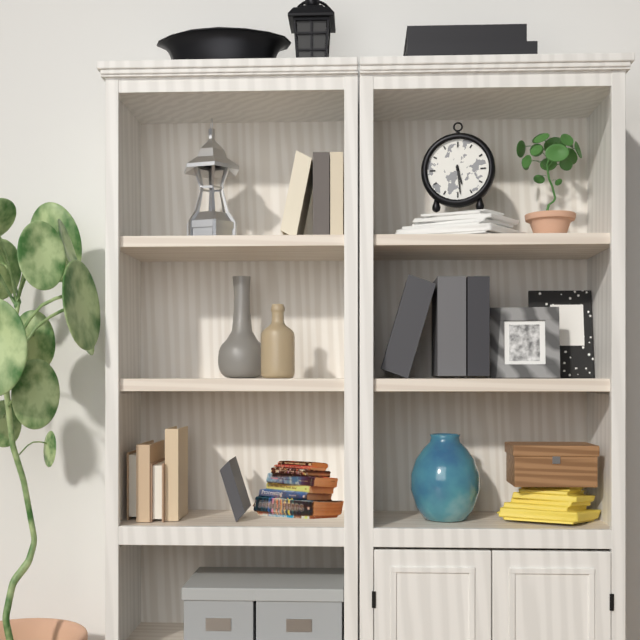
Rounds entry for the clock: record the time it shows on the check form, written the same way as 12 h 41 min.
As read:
5 h 29 min
